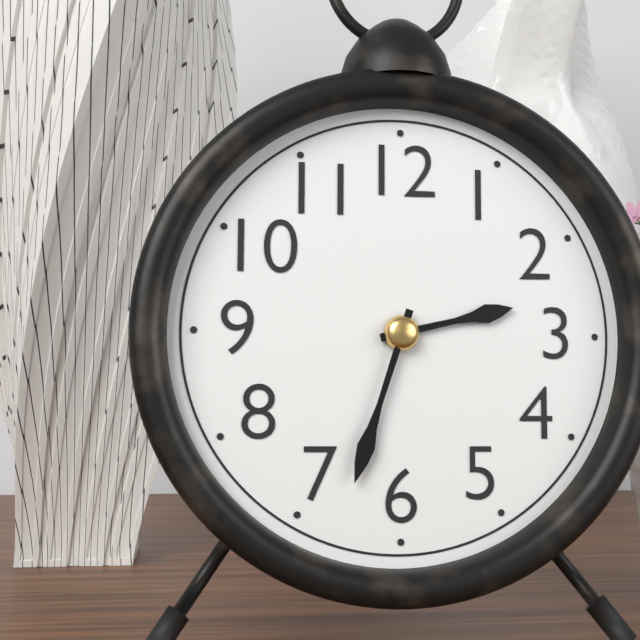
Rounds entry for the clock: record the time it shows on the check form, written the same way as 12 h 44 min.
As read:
2 h 33 min
